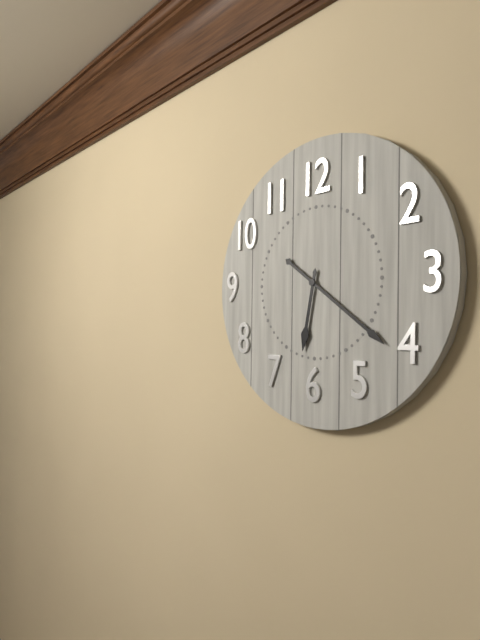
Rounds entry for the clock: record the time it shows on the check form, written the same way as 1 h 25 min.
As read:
6 h 21 min
